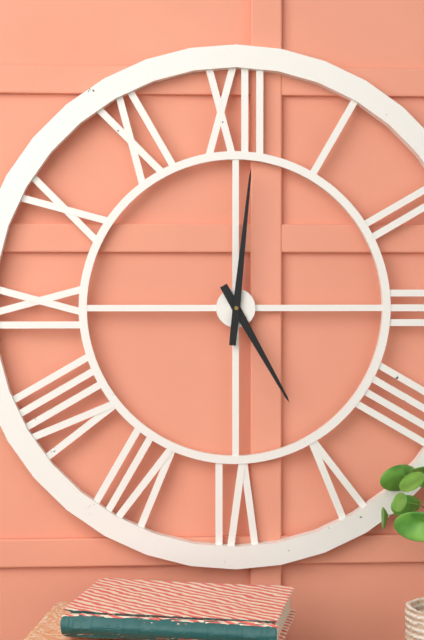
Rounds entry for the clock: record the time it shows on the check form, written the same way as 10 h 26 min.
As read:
5 h 01 min
